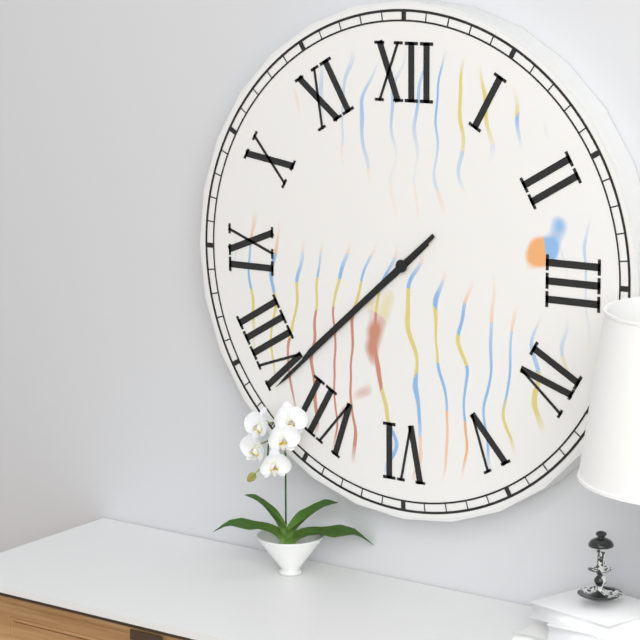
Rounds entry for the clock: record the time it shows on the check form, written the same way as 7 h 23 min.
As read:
7 h 38 min
